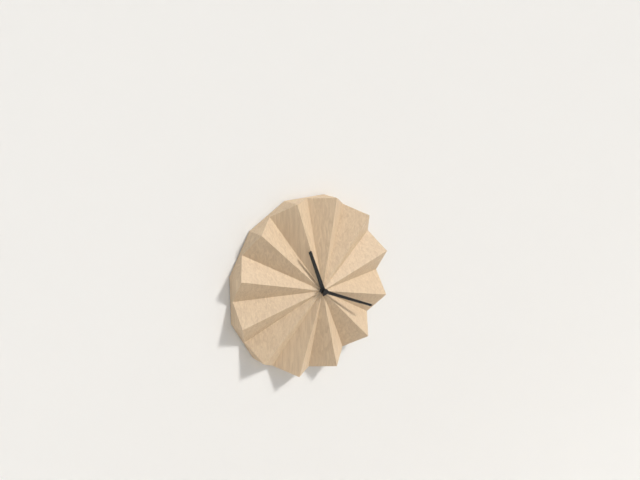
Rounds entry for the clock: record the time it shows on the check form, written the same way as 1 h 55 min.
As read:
11 h 19 min
